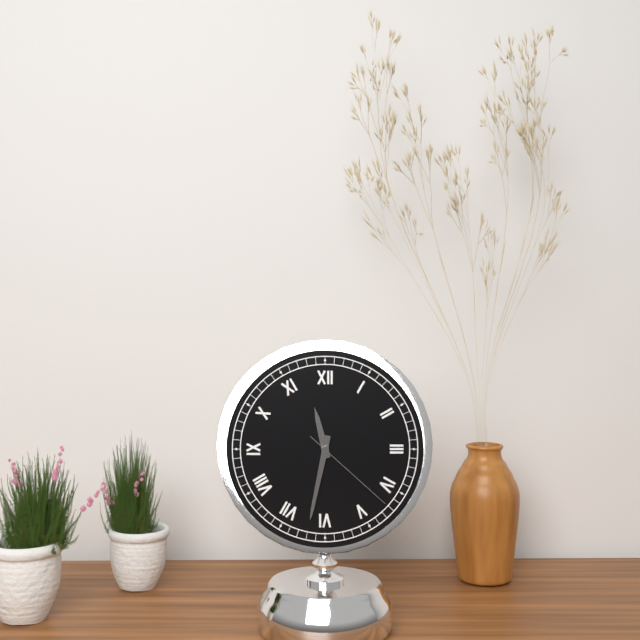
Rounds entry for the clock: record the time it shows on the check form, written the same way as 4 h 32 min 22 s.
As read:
11 h 32 min 22 s
